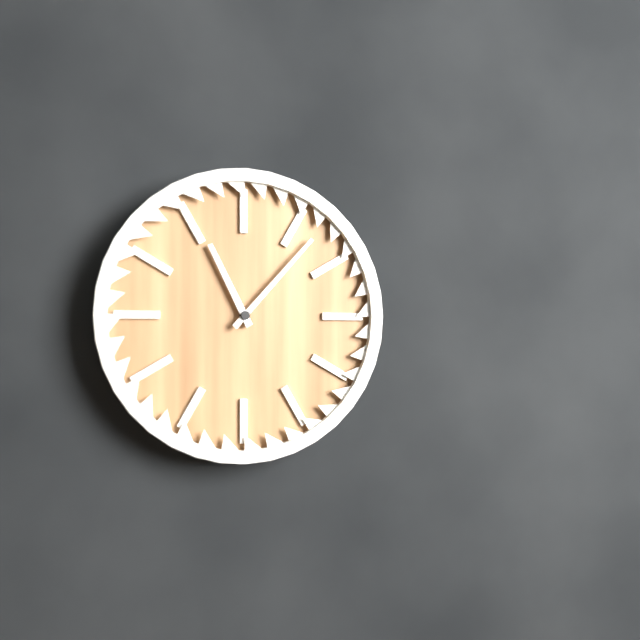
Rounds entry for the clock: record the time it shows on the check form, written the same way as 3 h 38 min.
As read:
11 h 07 min
